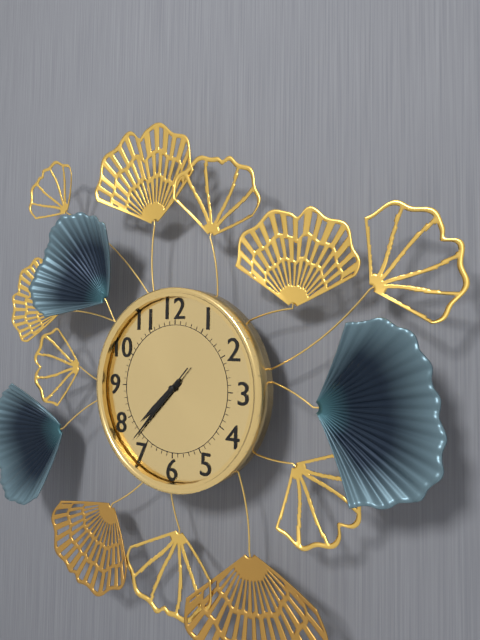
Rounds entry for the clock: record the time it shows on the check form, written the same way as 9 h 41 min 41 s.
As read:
7 h 37 min 37 s
